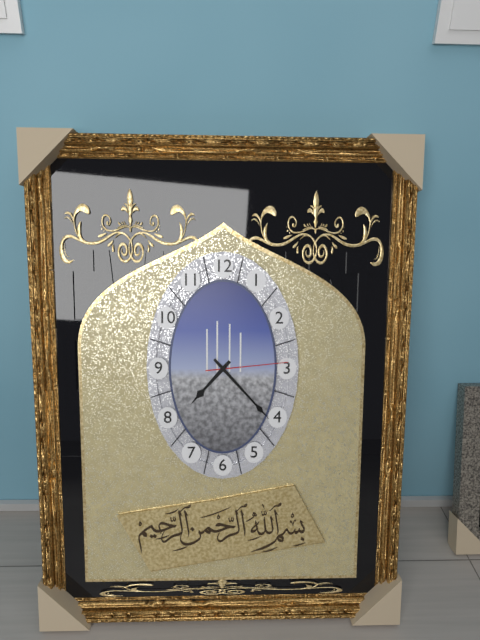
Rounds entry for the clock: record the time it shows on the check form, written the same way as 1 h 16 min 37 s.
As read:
7 h 23 min 14 s
